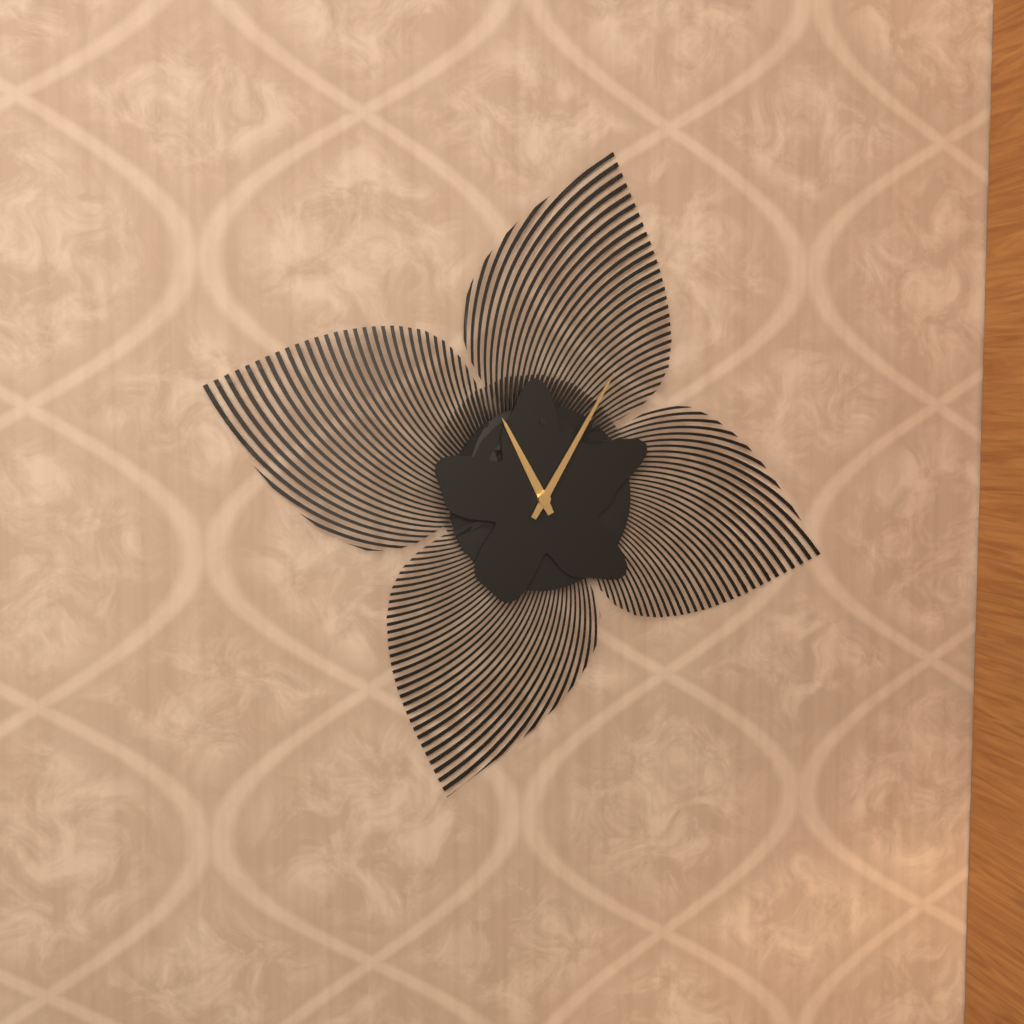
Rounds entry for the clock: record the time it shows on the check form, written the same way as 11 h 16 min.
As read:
11 h 05 min
